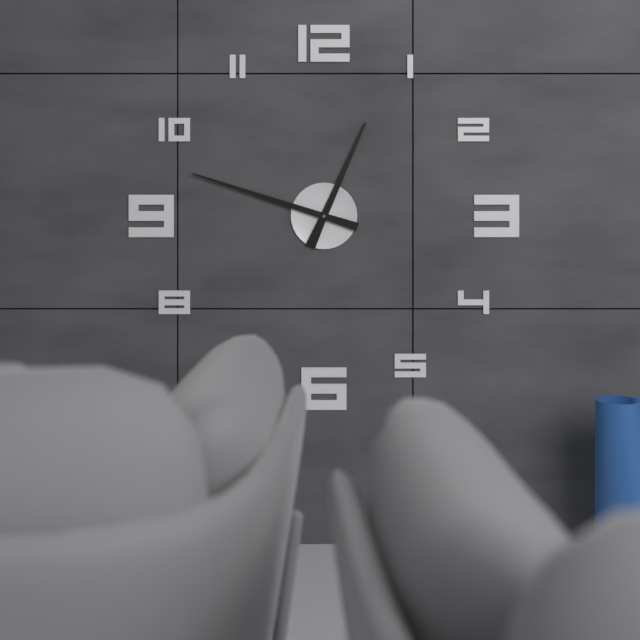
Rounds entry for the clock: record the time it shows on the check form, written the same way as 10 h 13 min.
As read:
12 h 48 min
